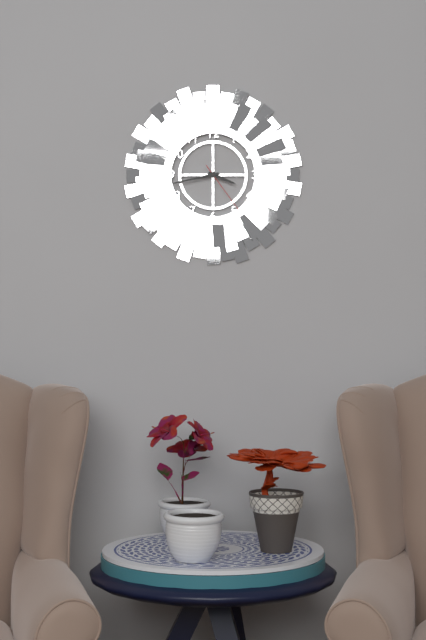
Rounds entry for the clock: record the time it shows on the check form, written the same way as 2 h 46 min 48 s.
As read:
3 h 43 min 24 s
